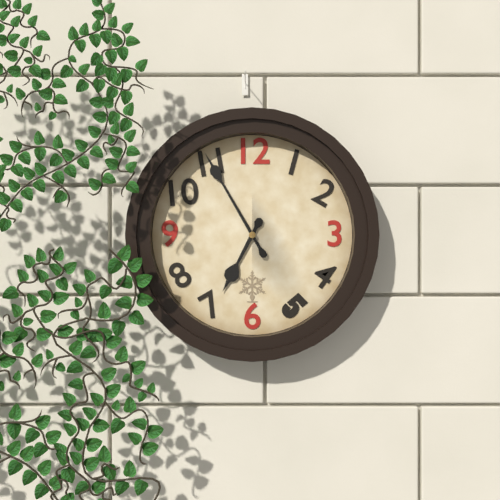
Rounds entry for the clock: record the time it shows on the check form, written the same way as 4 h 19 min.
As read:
6 h 55 min
